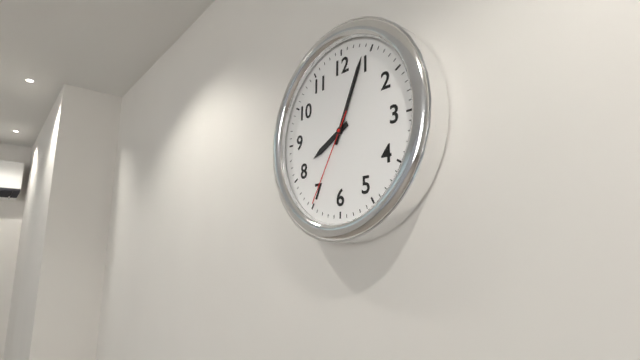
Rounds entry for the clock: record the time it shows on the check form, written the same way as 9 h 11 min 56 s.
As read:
8 h 04 min 35 s
